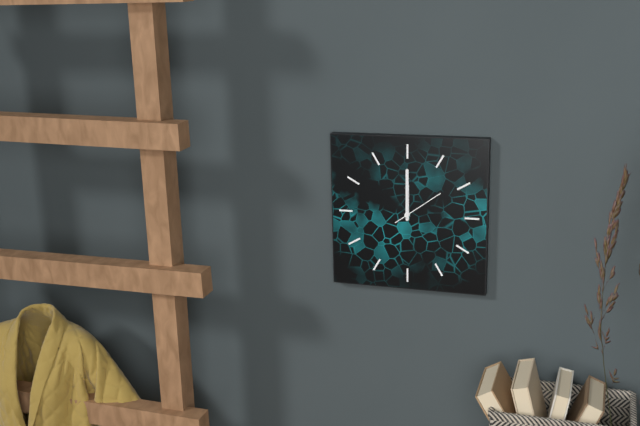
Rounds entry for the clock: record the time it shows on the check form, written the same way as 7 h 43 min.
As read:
12 h 00 min
